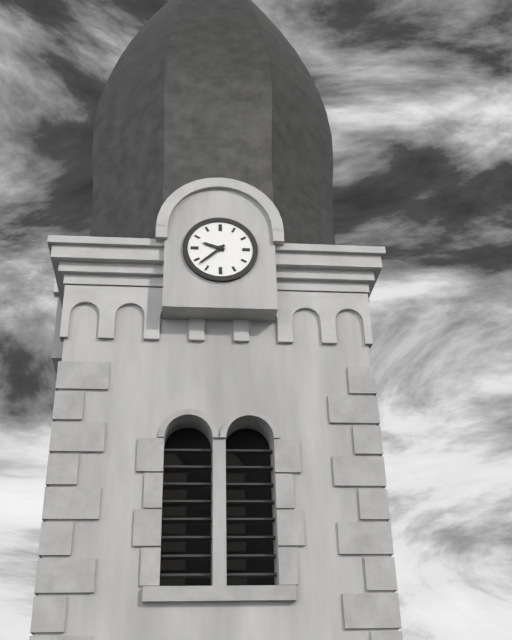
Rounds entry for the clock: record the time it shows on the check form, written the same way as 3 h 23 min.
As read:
9 h 38 min
